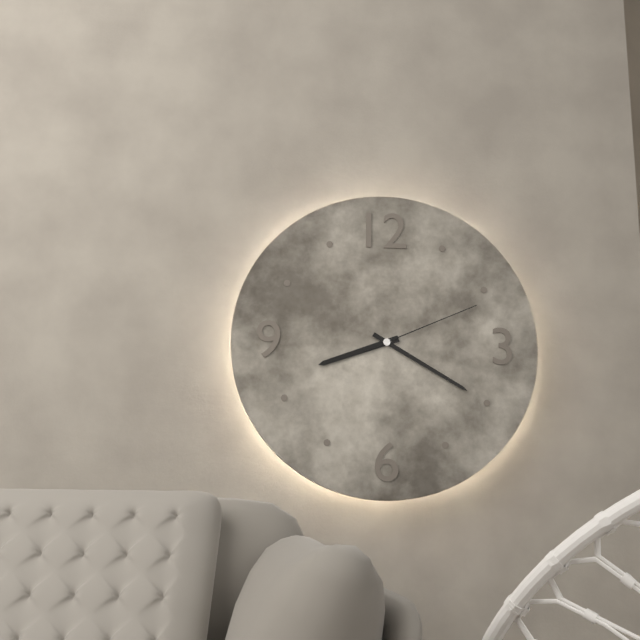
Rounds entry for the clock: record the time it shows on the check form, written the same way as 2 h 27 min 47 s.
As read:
8 h 20 min 11 s
